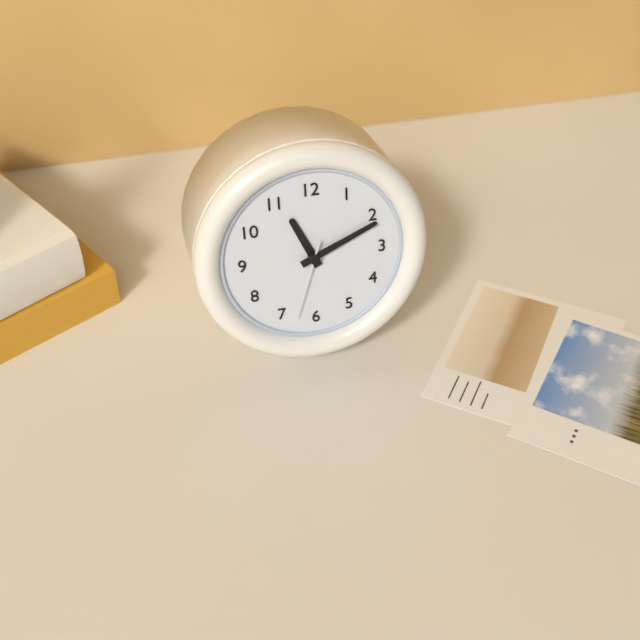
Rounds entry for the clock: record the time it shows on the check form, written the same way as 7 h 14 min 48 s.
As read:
11 h 11 min 33 s
